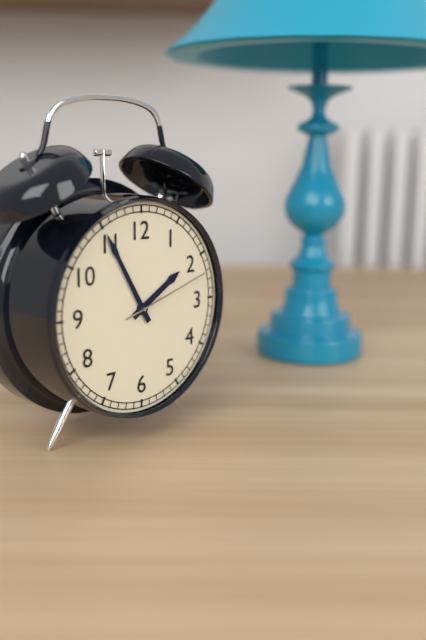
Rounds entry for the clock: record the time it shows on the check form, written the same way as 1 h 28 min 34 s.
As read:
1 h 55 min 12 s
